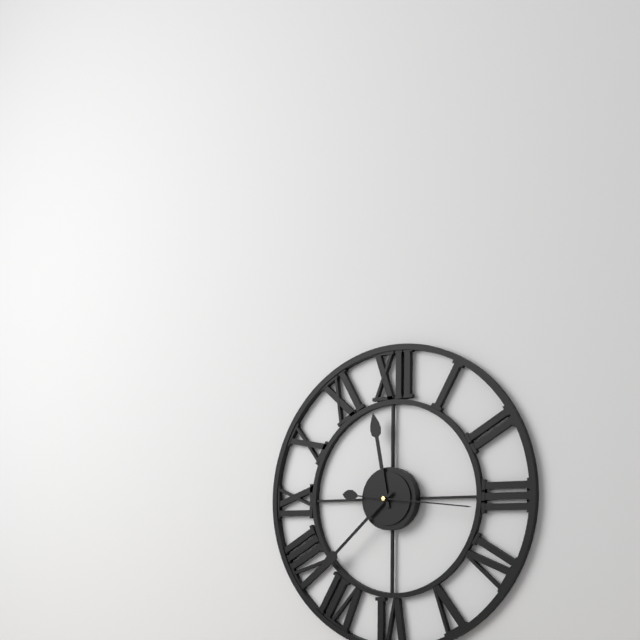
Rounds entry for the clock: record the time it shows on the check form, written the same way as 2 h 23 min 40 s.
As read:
11 h 38 min 16 s
